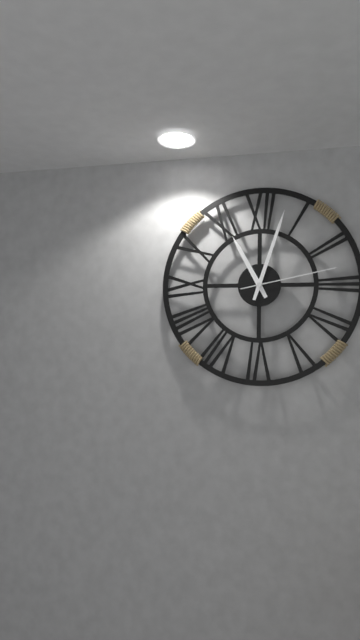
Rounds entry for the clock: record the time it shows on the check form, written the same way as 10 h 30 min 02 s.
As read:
11 h 03 min 13 s
